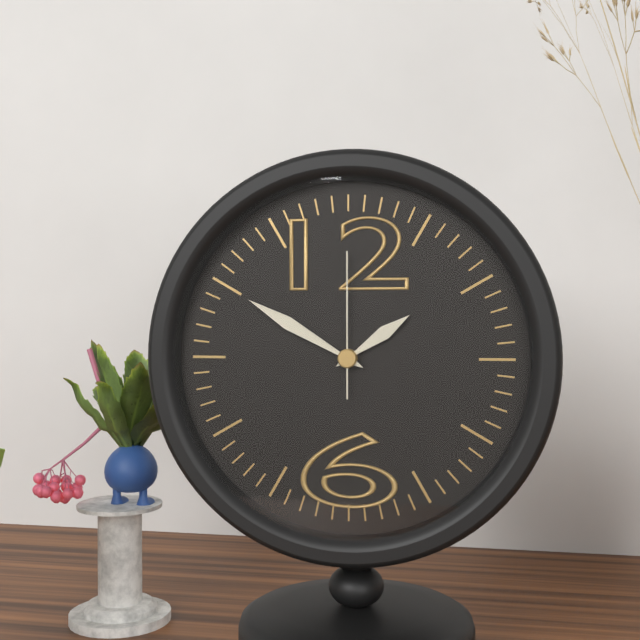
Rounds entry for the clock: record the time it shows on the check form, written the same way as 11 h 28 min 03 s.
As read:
1 h 50 min 00 s
